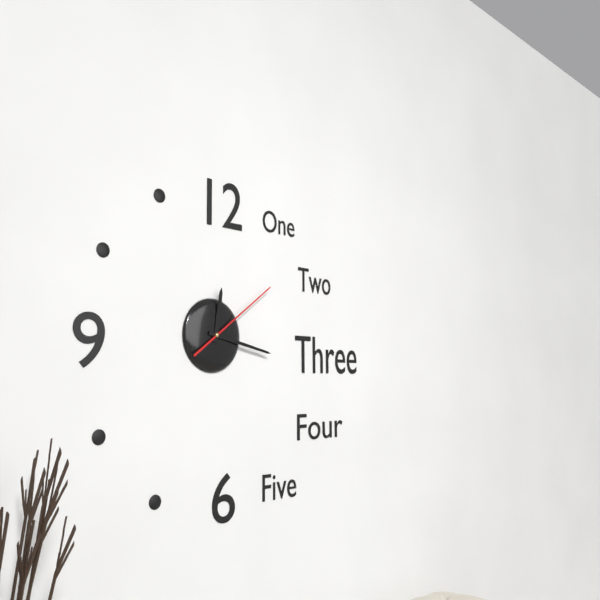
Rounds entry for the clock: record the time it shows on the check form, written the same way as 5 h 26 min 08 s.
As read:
12 h 17 min 09 s
